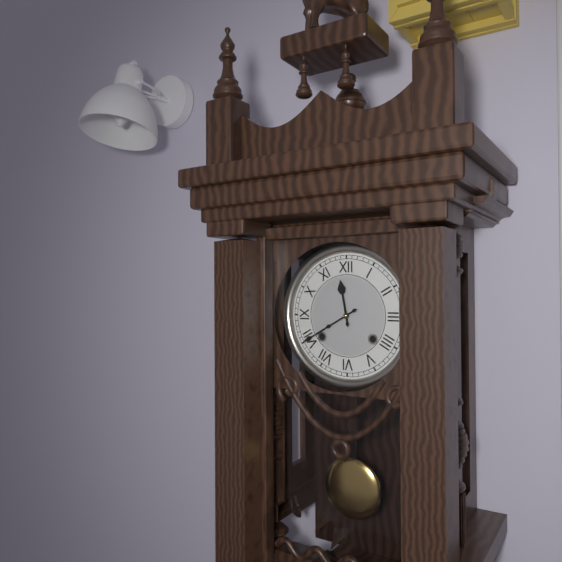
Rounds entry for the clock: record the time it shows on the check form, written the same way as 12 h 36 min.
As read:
11 h 40 min
